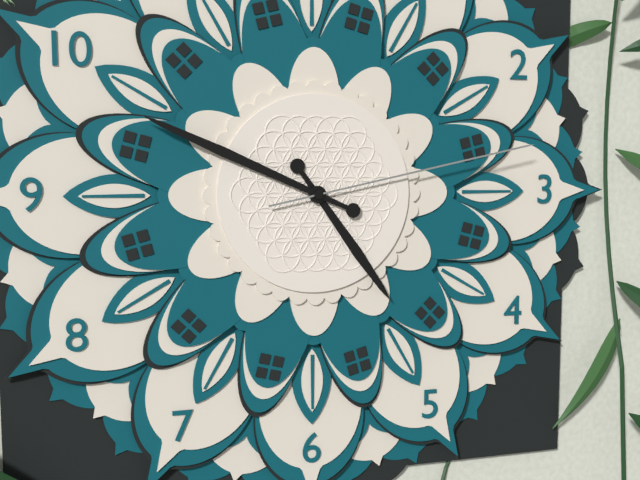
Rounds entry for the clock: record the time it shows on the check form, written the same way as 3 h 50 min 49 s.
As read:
4 h 49 min 13 s
